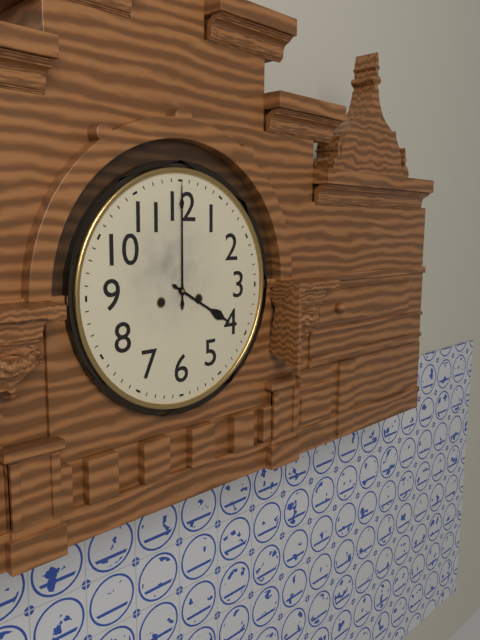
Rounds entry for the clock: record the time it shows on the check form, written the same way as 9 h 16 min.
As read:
4 h 00 min
